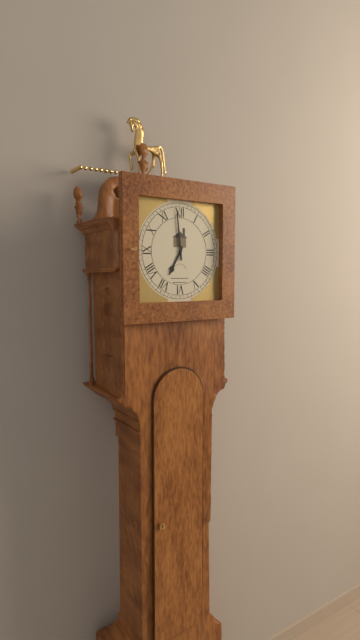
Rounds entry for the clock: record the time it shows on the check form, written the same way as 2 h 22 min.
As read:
6 h 59 min
